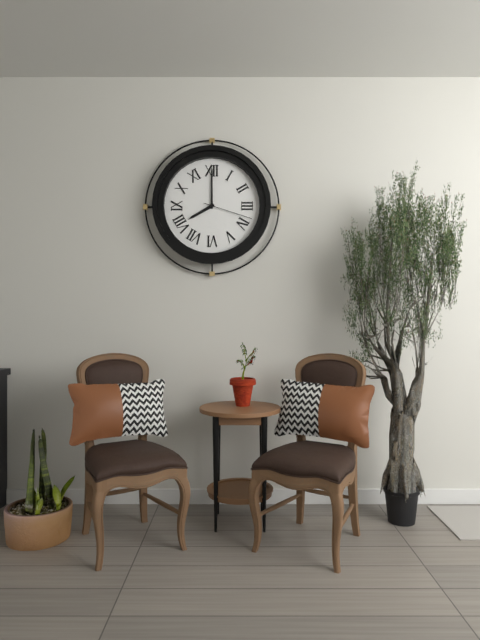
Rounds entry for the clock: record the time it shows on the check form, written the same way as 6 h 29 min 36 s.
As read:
8 h 00 min 18 s
